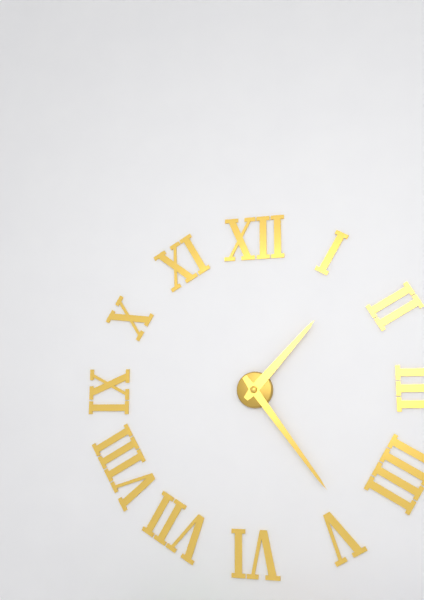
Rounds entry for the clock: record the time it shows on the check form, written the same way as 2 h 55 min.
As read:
1 h 24 min
